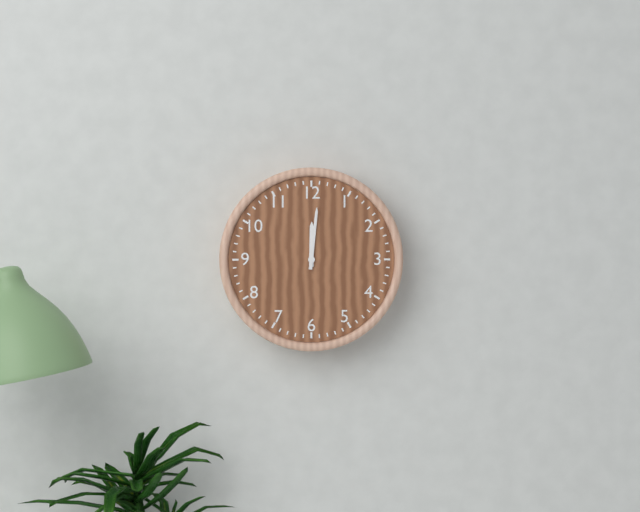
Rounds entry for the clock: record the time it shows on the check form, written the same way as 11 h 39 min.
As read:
12 h 01 min
